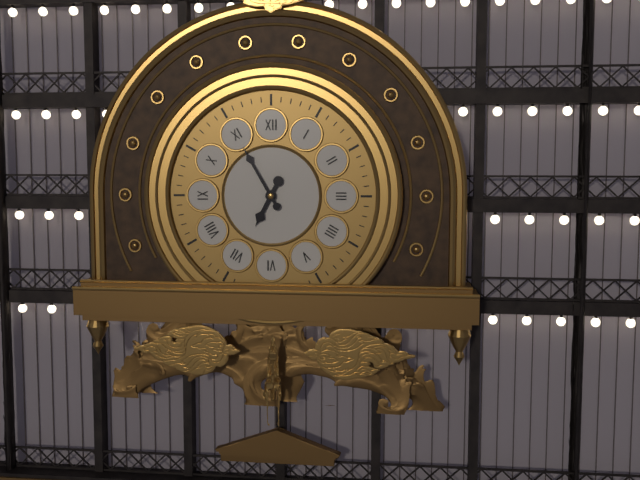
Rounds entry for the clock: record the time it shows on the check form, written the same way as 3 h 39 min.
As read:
6 h 55 min
